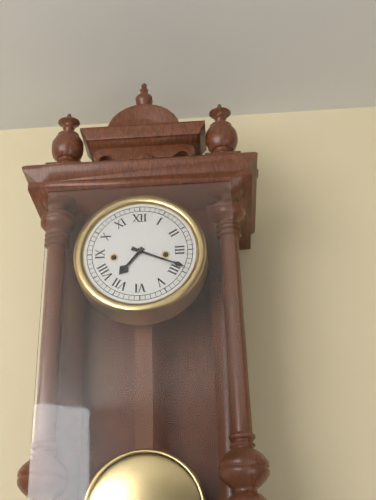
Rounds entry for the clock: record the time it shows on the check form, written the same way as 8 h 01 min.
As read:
7 h 19 min
